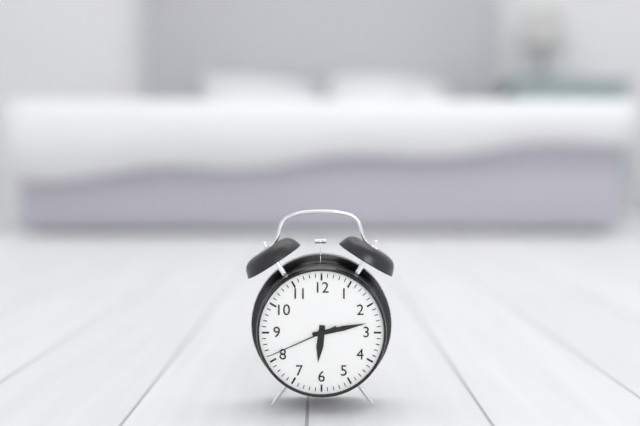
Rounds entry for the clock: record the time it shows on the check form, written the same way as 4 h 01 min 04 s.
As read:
6 h 13 min 41 s
